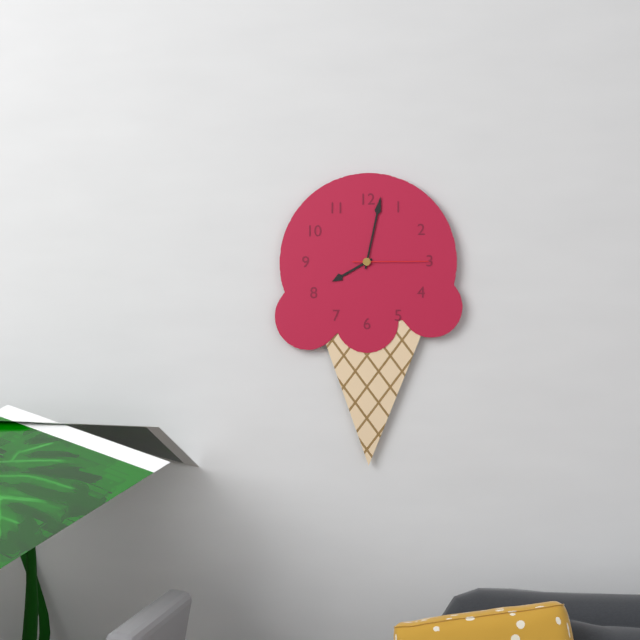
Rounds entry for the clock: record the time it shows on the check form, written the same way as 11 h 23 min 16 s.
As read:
8 h 02 min 15 s
